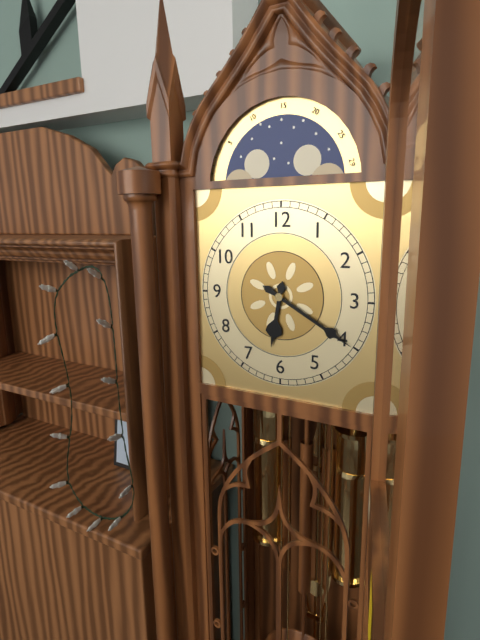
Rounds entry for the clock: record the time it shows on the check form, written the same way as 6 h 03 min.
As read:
6 h 20 min
